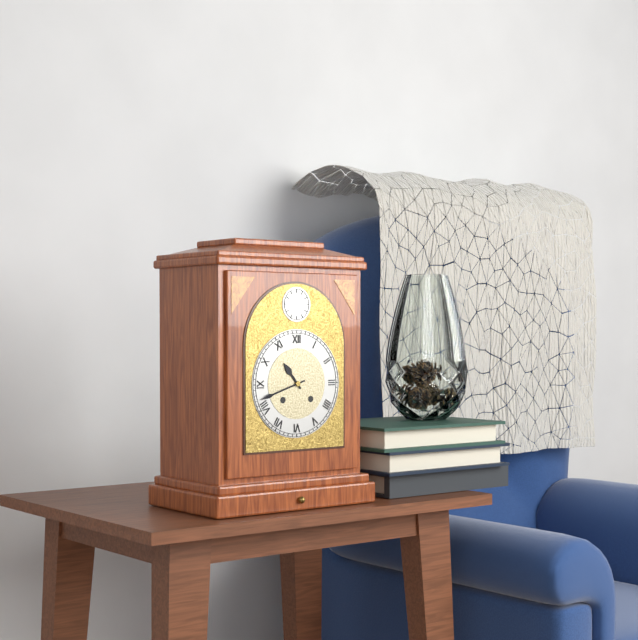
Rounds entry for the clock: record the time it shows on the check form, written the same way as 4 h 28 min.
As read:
10 h 42 min
